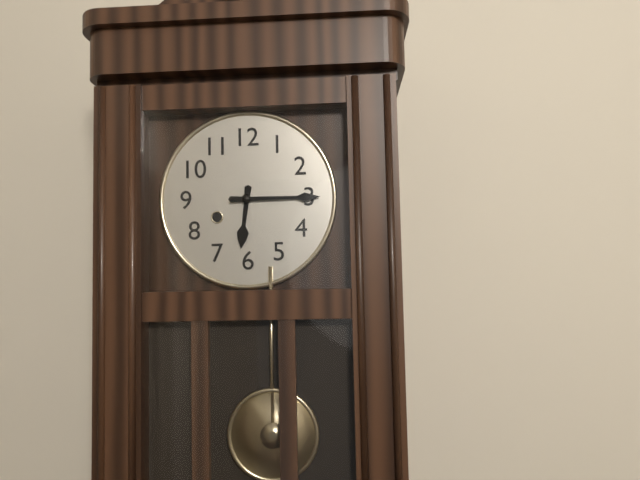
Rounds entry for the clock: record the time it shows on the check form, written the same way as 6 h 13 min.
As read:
6 h 15 min
